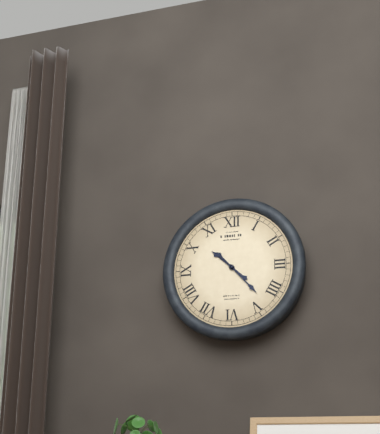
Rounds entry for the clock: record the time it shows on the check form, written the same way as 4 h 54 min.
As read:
10 h 23 min
